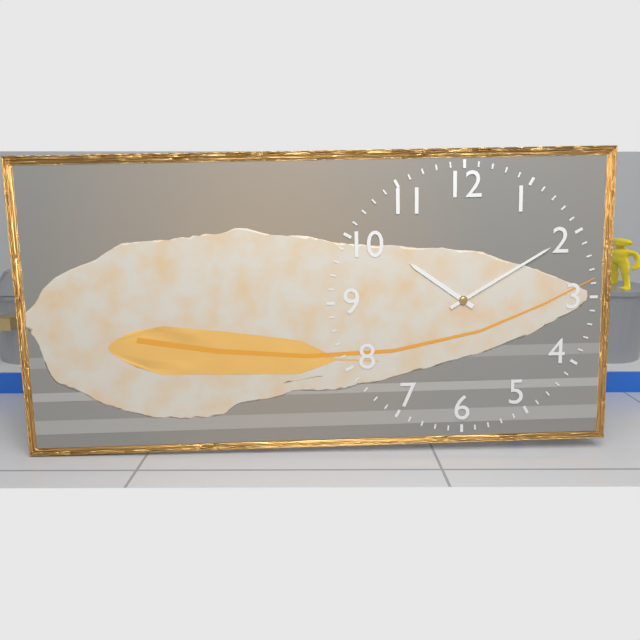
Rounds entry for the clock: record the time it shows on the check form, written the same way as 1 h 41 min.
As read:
10 h 10 min
